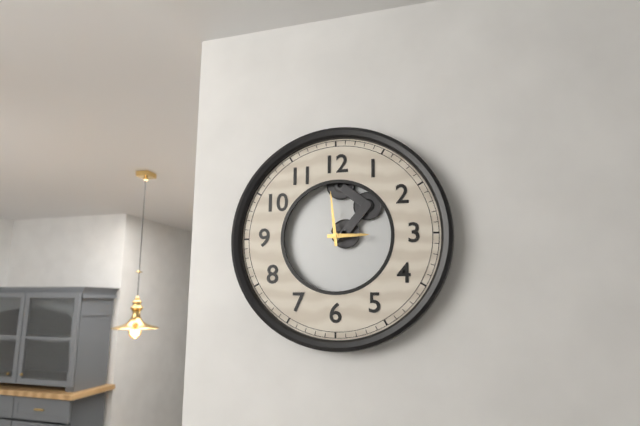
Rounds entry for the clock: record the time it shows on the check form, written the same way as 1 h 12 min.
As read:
2 h 59 min
